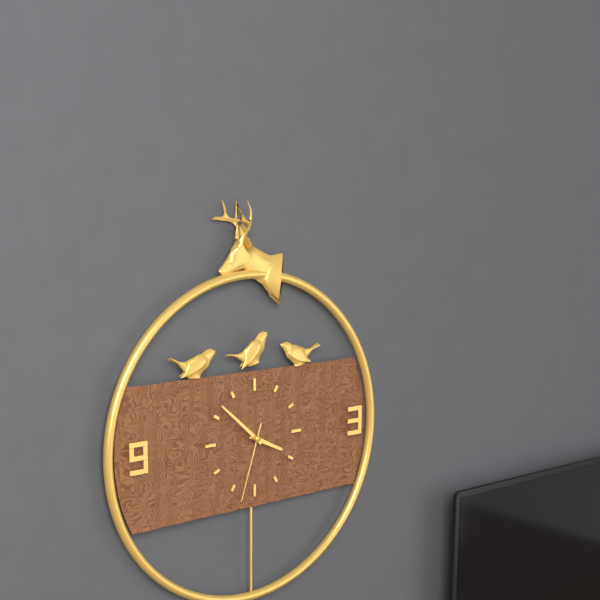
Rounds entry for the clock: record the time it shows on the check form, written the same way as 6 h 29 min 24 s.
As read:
3 h 52 min 33 s
